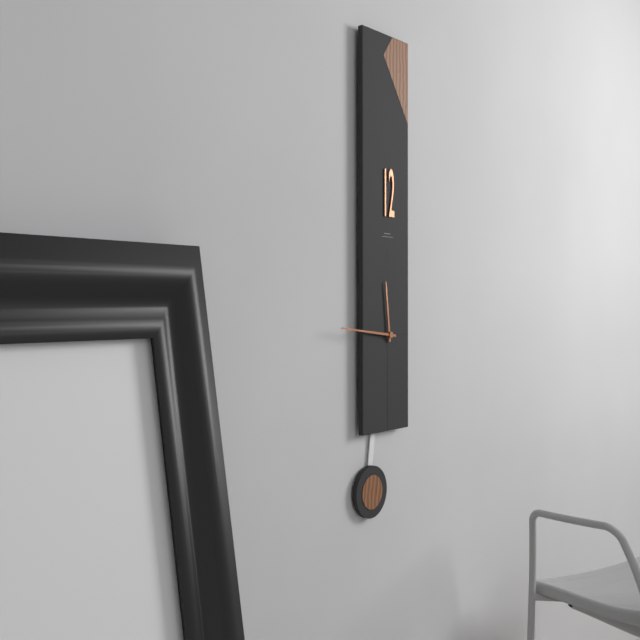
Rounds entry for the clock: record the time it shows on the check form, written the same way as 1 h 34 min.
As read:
11 h 46 min
